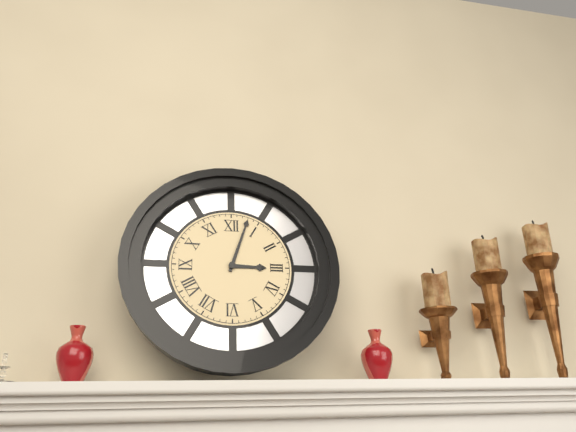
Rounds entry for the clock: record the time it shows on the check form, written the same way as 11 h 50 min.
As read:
3 h 03 min
